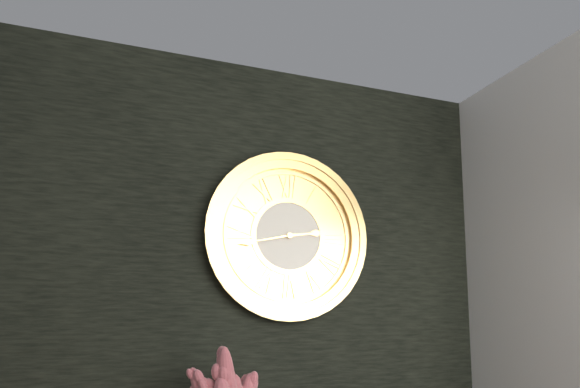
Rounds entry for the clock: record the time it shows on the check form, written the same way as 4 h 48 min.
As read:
2 h 43 min
